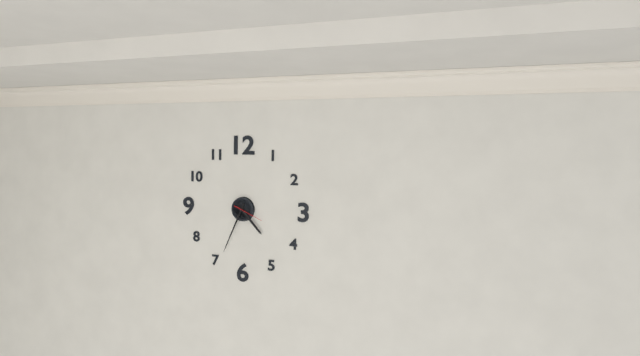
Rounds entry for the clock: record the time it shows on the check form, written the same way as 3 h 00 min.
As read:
4 h 34 min
